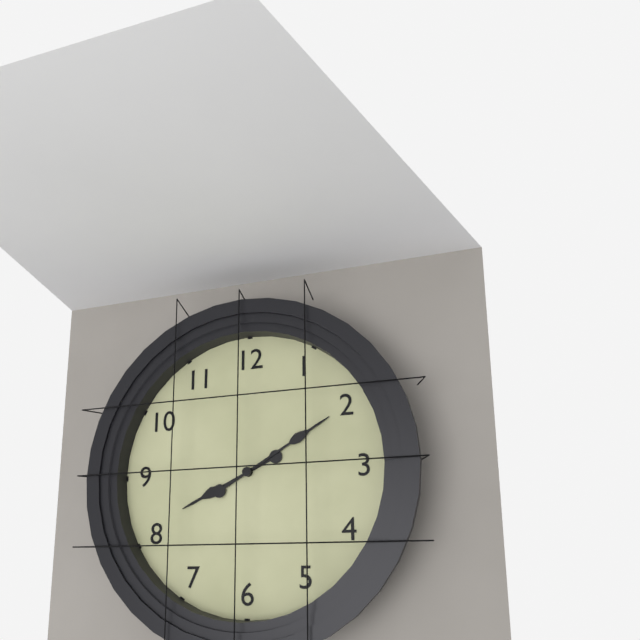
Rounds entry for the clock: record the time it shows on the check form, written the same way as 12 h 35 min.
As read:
8 h 10 min
